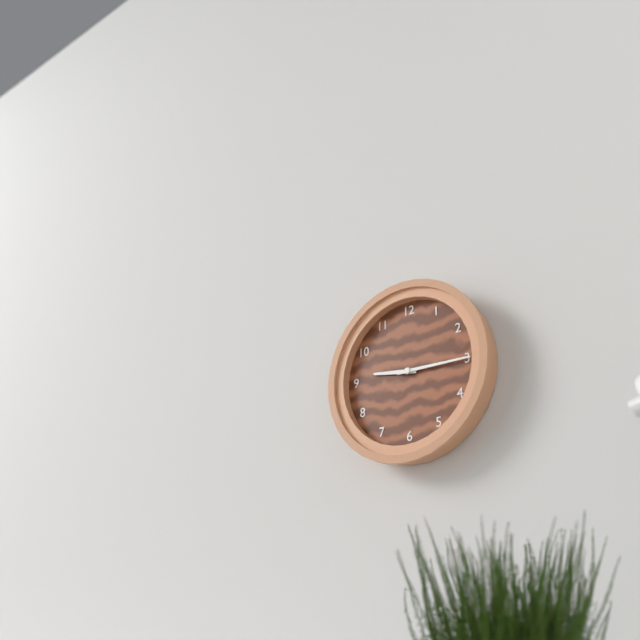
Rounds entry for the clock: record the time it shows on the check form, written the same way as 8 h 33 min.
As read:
9 h 15 min
